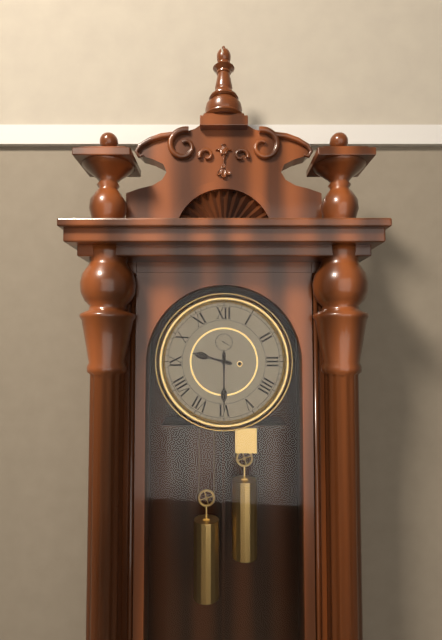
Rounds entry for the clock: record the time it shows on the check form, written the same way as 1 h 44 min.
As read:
9 h 30 min
